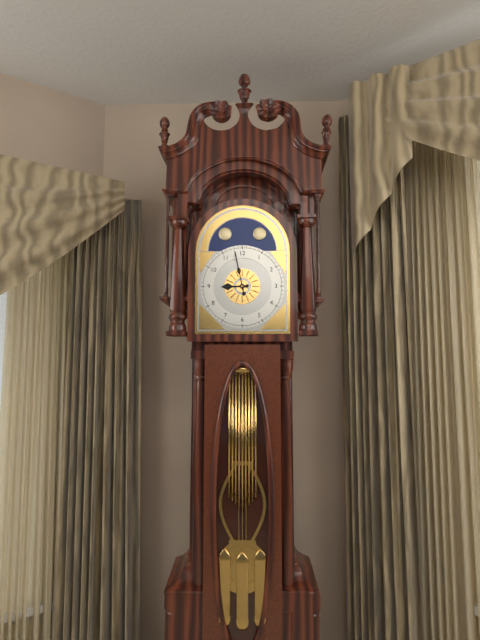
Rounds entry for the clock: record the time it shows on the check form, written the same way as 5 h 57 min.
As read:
8 h 58 min
